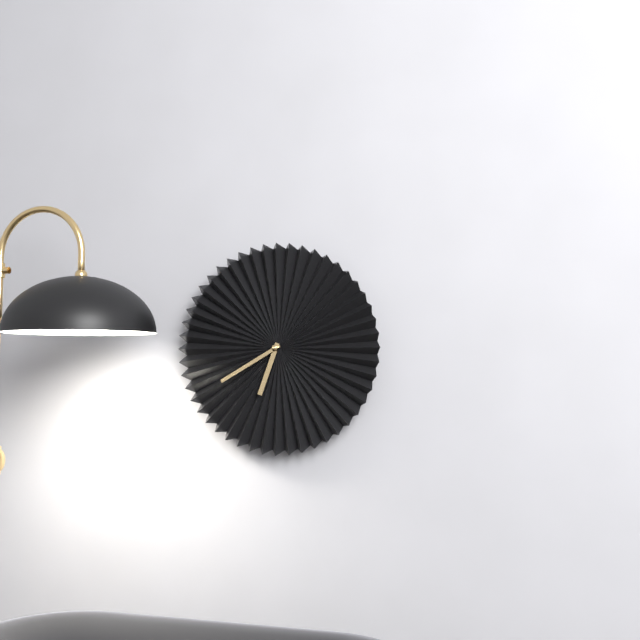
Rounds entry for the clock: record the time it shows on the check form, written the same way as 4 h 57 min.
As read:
6 h 40 min
